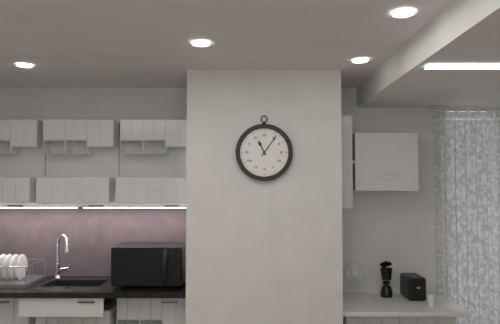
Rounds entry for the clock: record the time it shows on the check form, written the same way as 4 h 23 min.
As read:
11 h 06 min
